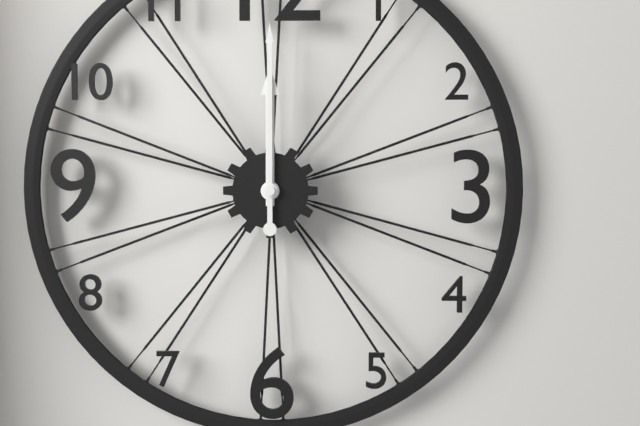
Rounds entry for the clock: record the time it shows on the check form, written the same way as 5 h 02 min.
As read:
12 h 00 min
